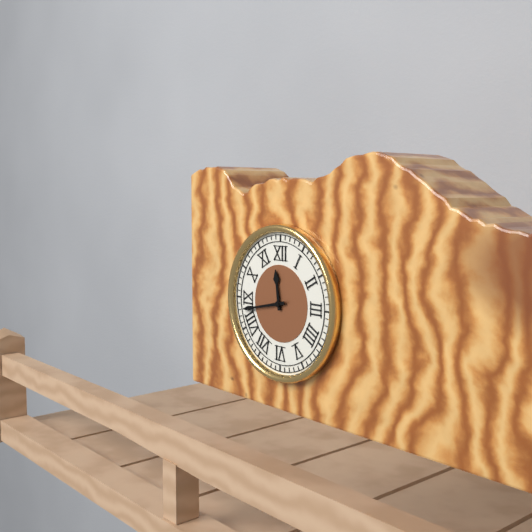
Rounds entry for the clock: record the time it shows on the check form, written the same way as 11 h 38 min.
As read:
11 h 43 min
